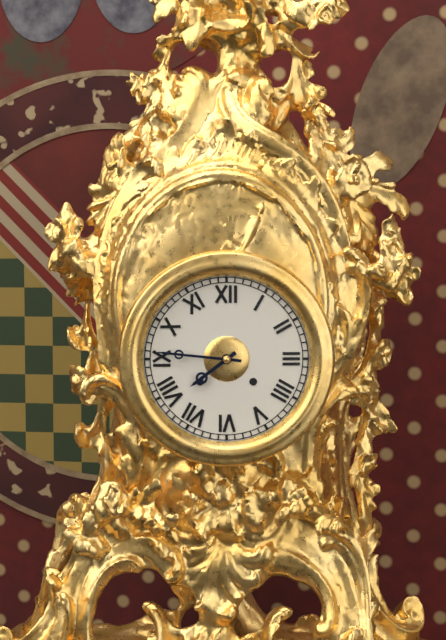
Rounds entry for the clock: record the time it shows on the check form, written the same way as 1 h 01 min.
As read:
7 h 46 min
